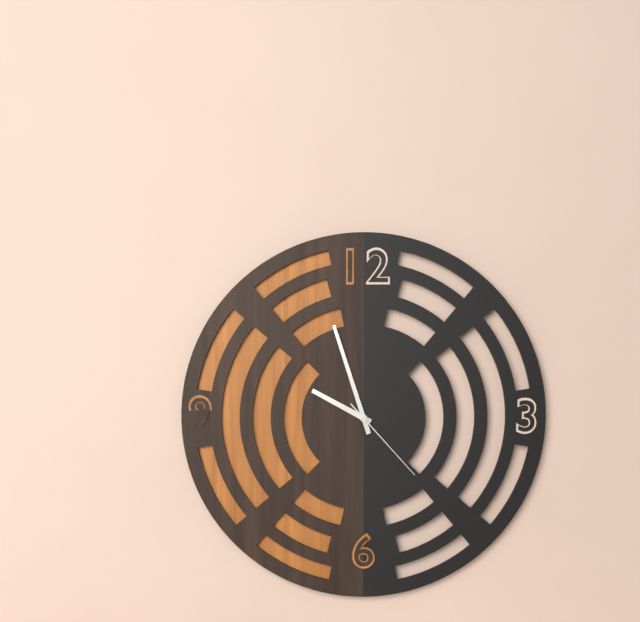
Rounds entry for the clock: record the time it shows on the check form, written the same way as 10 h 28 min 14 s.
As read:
9 h 57 min 23 s
